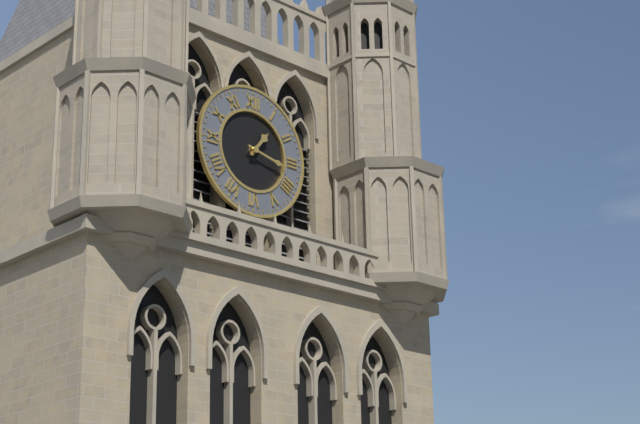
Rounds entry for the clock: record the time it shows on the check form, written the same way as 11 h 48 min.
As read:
1 h 17 min
